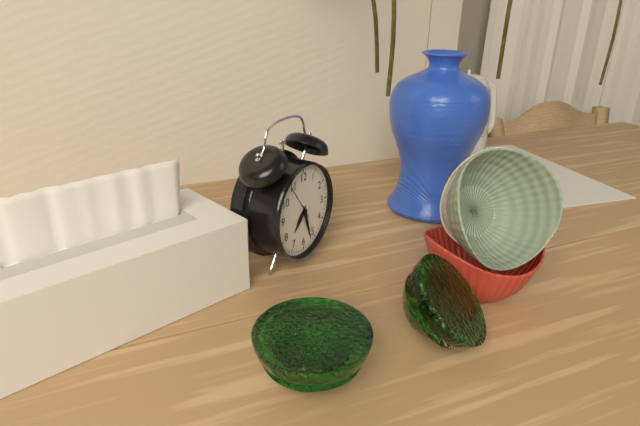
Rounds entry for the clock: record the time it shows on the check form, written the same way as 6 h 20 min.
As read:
7 h 27 min
